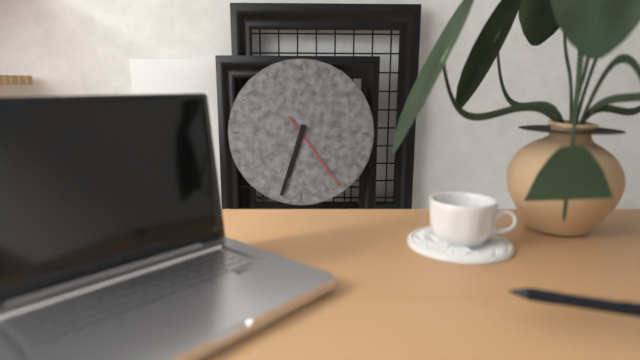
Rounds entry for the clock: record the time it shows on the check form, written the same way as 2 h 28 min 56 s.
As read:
6 h 33 min 24 s
